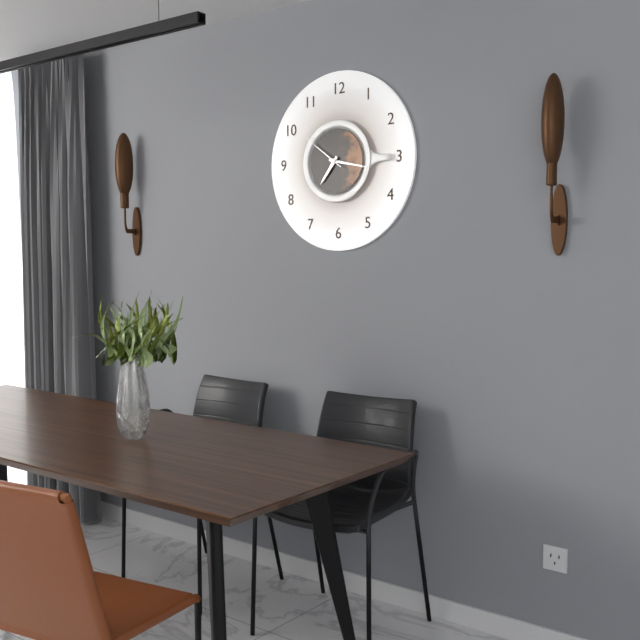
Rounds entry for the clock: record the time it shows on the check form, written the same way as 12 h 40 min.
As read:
7 h 17 min
